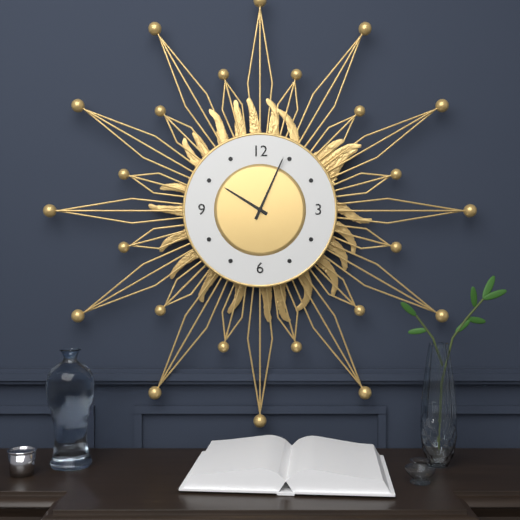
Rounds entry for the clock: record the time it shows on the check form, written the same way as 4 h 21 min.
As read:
10 h 04 min
